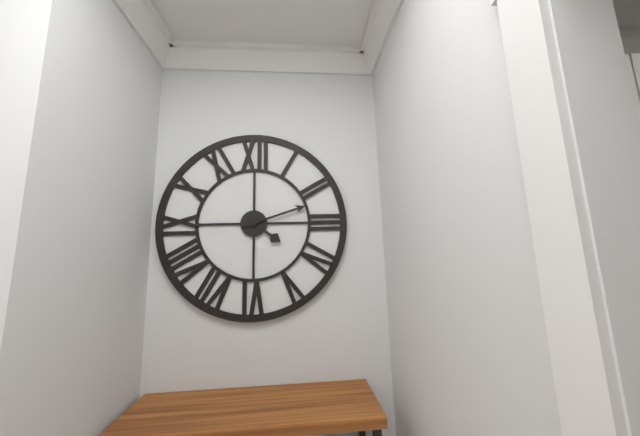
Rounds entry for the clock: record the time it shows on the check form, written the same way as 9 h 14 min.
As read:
4 h 12 min
